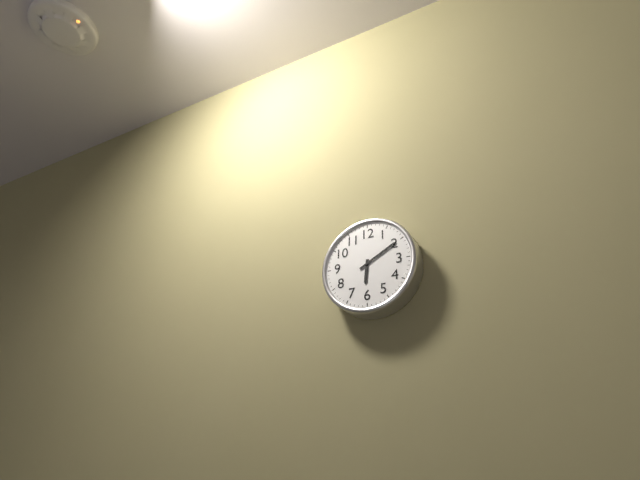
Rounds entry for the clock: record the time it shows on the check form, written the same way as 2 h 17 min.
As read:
6 h 10 min
